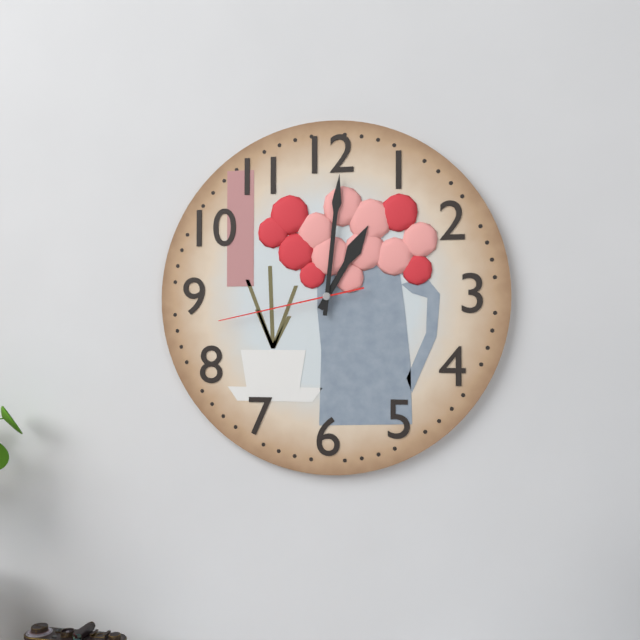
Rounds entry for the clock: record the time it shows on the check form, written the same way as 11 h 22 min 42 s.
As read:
1 h 01 min 43 s
